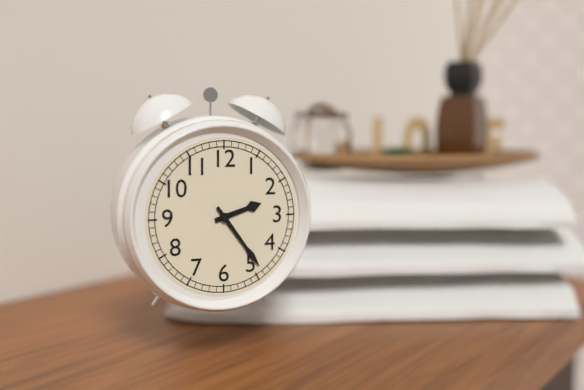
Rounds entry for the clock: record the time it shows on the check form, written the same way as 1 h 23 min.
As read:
2 h 24 min
